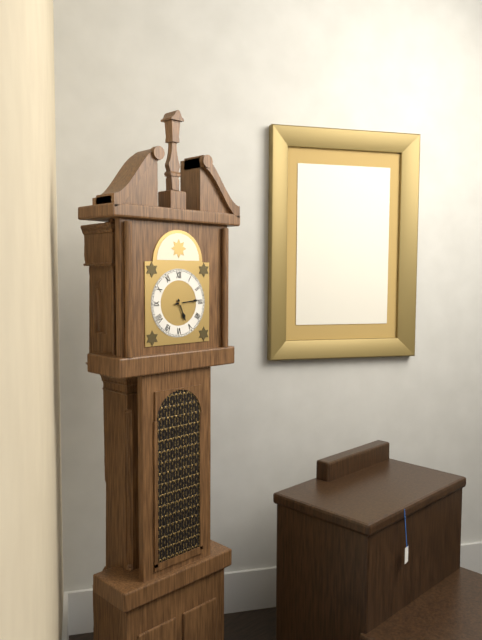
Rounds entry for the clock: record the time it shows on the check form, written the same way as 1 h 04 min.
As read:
5 h 14 min
